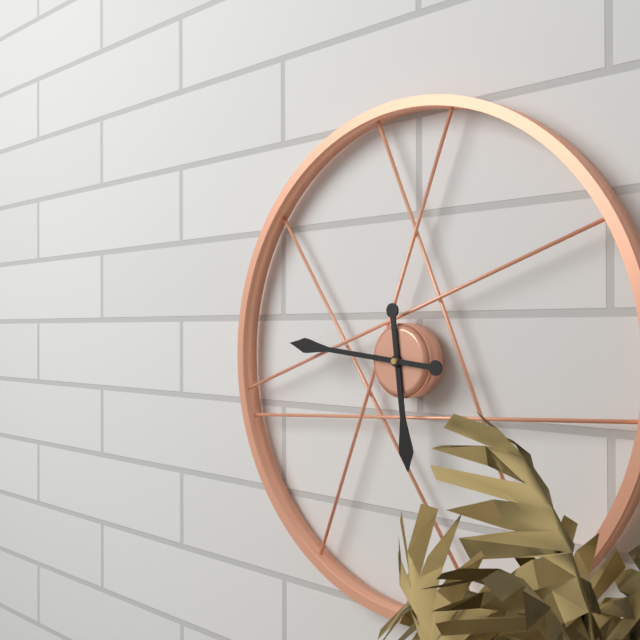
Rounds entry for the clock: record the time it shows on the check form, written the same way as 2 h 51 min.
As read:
5 h 46 min
